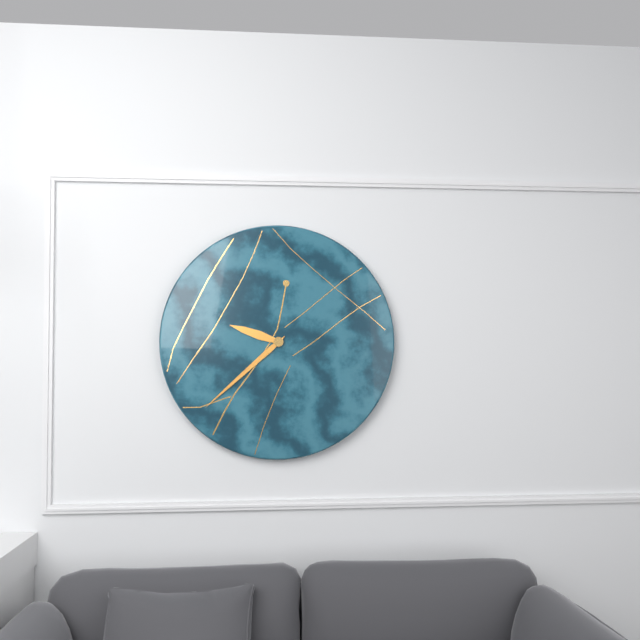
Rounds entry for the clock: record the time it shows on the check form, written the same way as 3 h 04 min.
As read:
9 h 38 min
